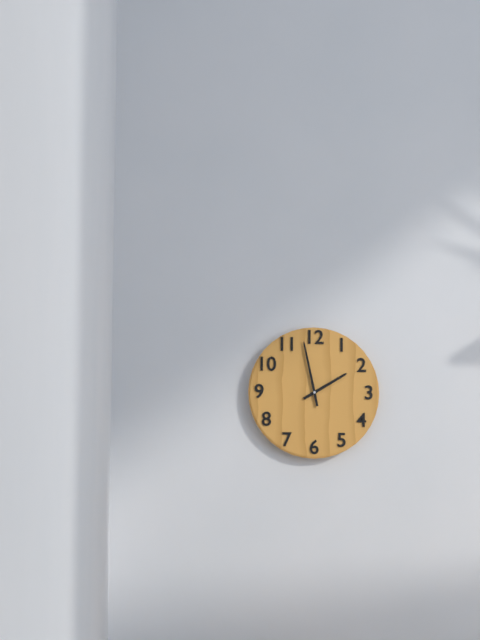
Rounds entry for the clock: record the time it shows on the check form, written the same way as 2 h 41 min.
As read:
1 h 58 min
